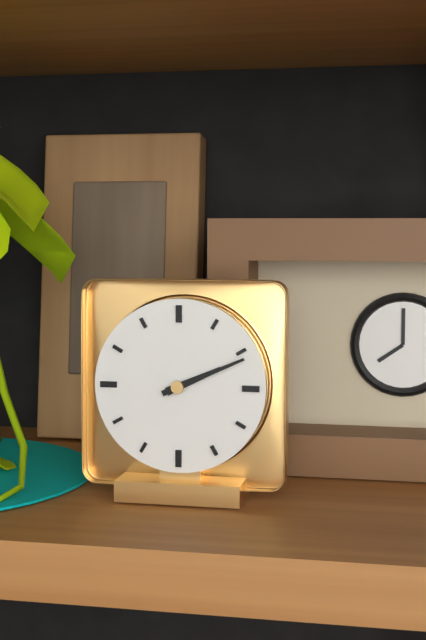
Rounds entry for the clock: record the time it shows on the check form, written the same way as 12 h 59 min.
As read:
2 h 11 min
